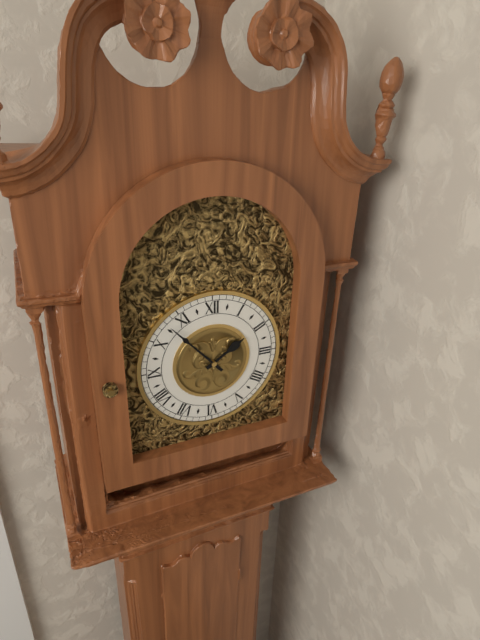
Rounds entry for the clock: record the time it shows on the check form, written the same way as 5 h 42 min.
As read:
1 h 53 min
